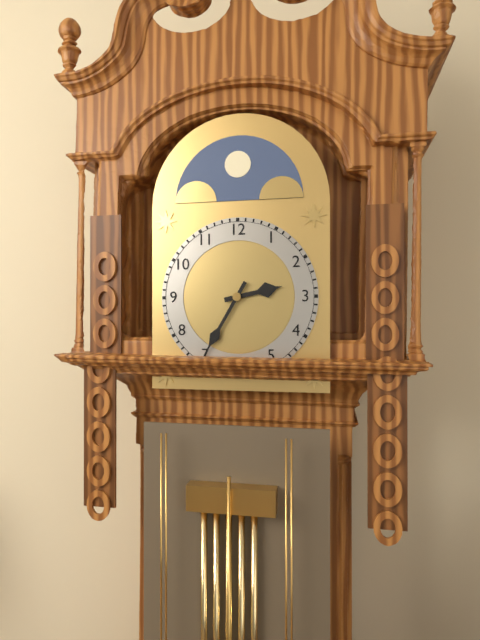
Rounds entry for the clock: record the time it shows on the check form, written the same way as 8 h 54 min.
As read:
2 h 35 min
